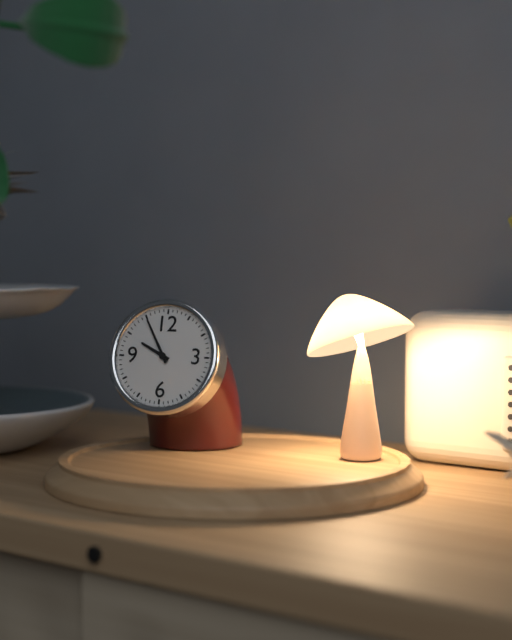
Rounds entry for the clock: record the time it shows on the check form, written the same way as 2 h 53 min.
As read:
9 h 55 min
